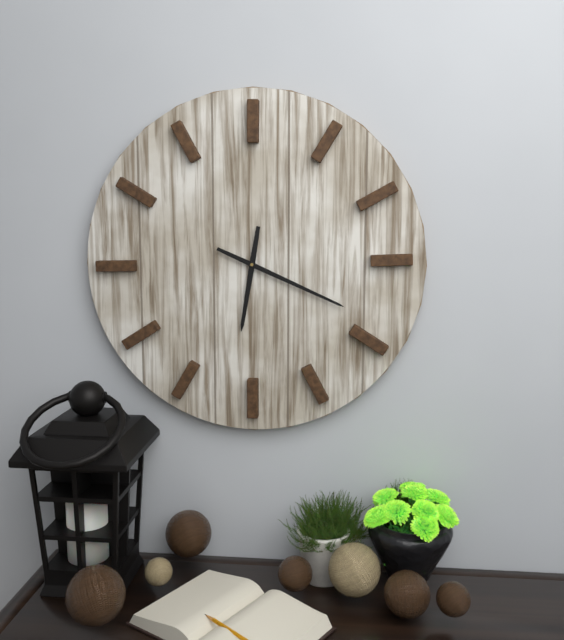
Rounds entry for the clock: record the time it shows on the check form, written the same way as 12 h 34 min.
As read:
6 h 19 min
